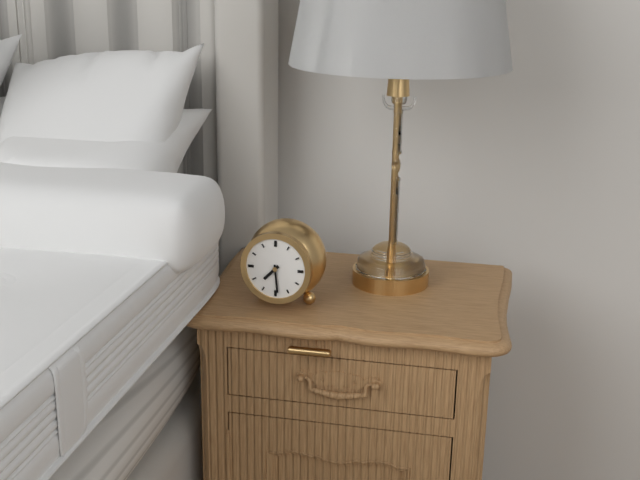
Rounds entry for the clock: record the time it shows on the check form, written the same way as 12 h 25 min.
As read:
7 h 29 min
